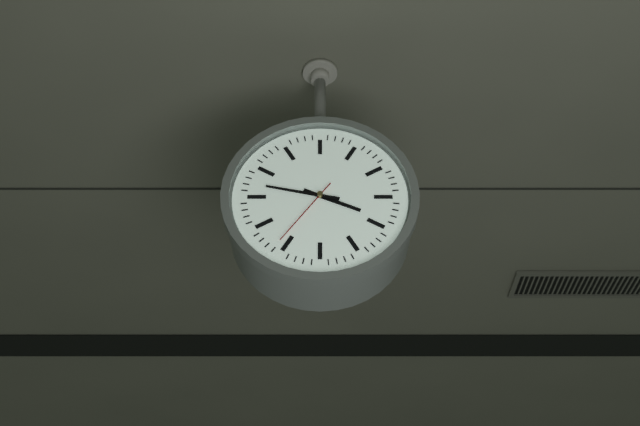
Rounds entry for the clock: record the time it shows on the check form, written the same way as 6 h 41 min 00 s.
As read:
3 h 47 min 36 s
